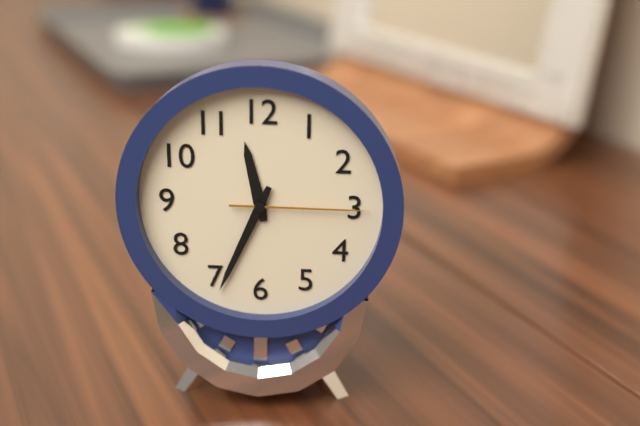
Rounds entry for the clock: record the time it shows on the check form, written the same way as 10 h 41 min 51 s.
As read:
11 h 34 min 15 s
